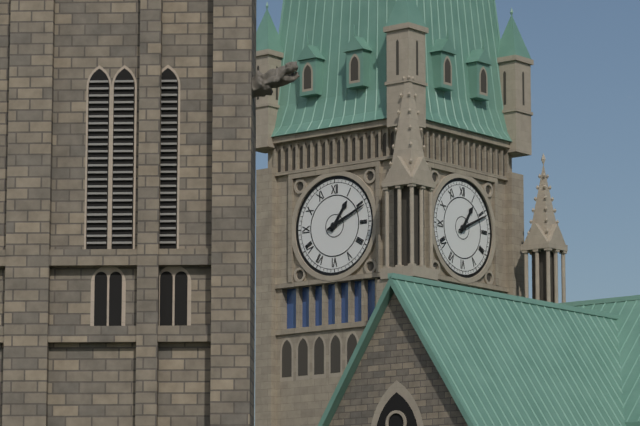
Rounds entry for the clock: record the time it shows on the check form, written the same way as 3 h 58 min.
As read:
1 h 11 min
